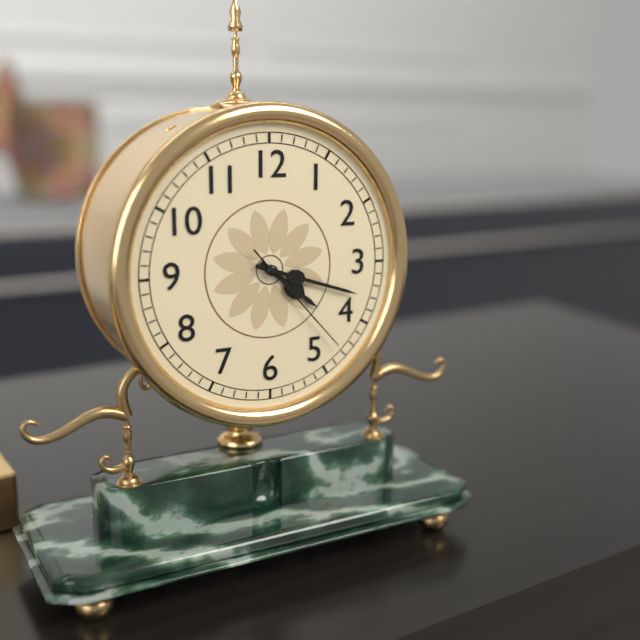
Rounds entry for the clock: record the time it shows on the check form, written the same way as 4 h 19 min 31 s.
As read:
4 h 18 min 23 s
